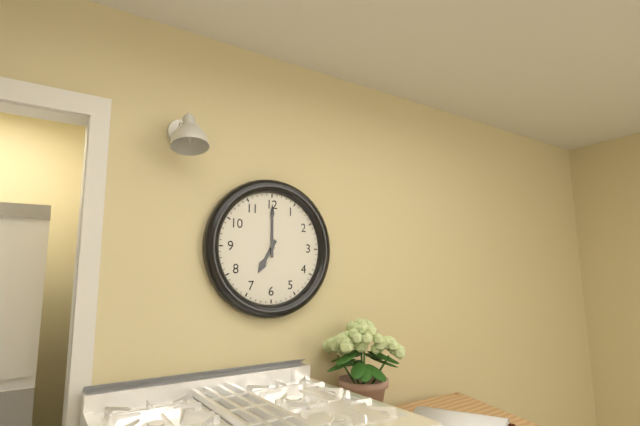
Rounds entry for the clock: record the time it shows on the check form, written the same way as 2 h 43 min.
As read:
7 h 00 min
